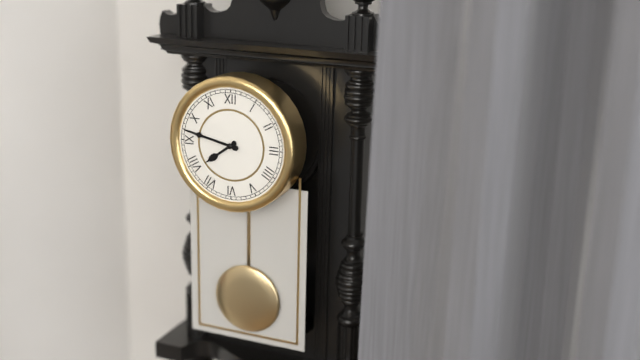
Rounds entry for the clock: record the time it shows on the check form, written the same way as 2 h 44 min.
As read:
7 h 47 min
